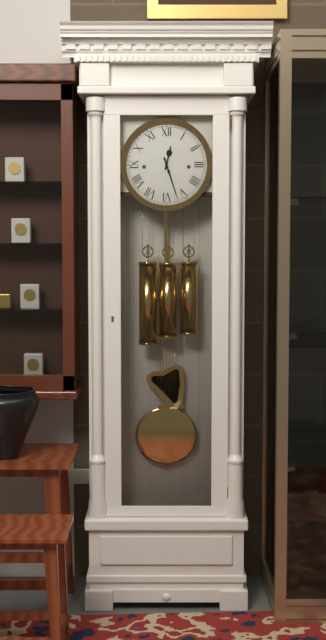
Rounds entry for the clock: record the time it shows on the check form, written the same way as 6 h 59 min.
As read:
12 h 27 min
